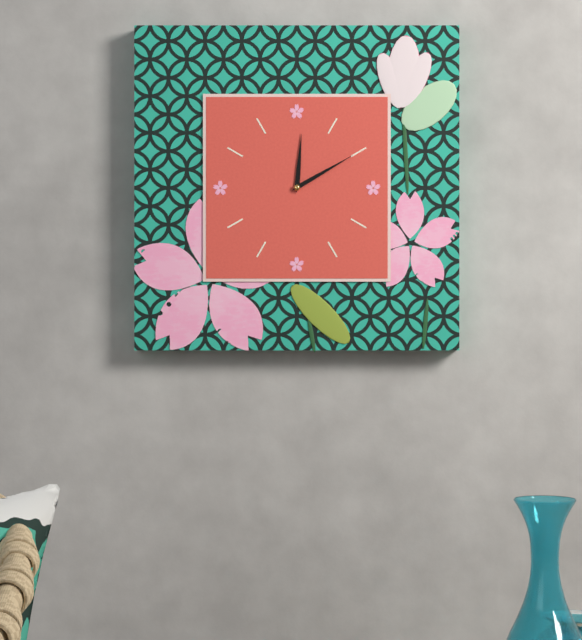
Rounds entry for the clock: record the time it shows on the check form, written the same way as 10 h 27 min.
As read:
12 h 10 min
